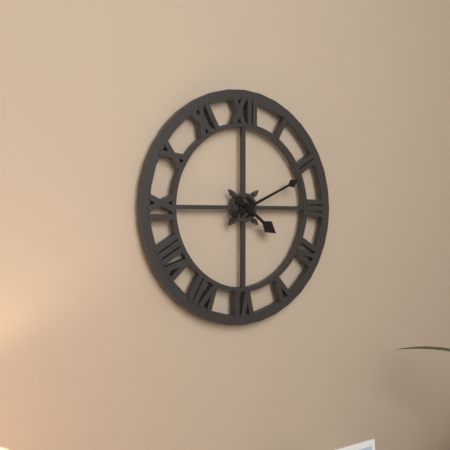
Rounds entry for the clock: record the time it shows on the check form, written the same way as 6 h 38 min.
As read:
4 h 11 min
